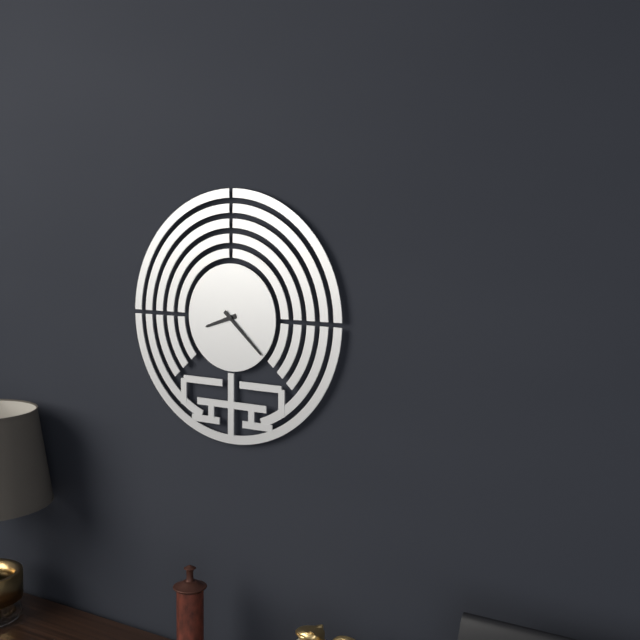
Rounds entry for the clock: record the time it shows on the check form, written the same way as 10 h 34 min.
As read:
8 h 22 min
